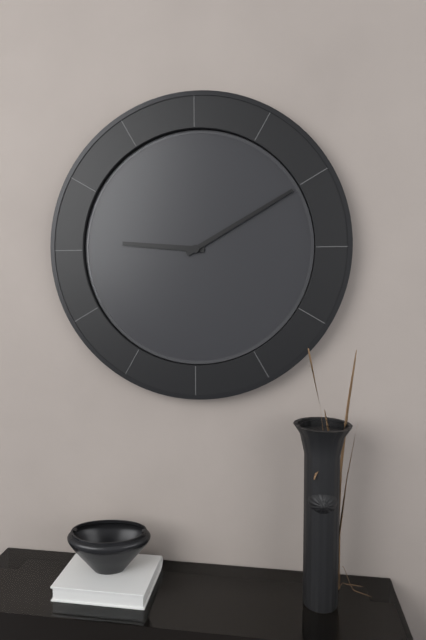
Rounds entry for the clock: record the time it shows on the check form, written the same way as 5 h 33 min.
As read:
9 h 10 min
